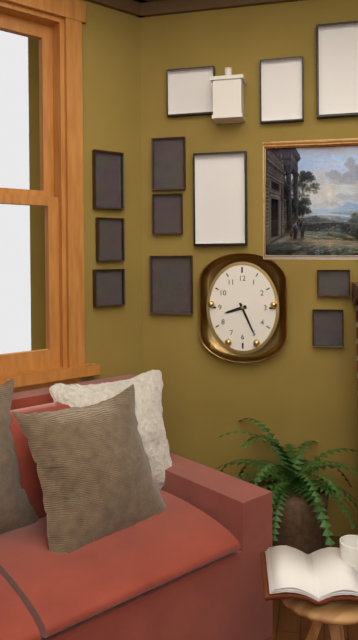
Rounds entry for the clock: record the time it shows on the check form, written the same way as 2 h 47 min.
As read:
8 h 26 min
